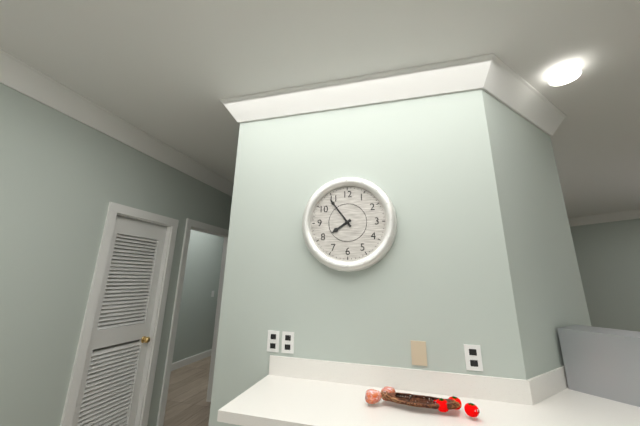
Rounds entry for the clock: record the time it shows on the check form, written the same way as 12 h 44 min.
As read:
7 h 54 min
